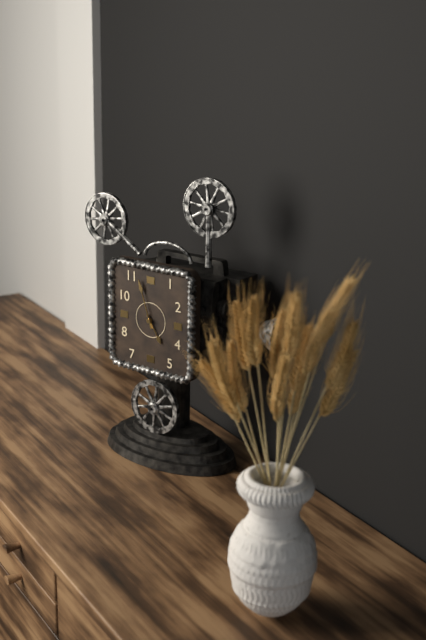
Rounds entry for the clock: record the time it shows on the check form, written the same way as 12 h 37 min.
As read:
4 h 57 min
